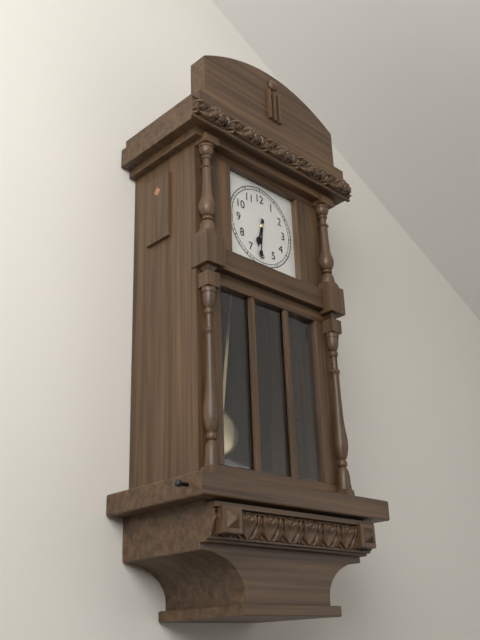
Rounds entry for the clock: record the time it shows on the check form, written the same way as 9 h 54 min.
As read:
6 h 31 min
